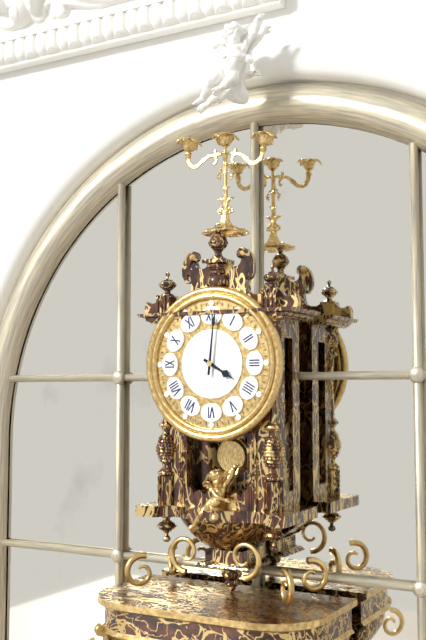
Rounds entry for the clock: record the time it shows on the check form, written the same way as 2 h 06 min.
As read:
4 h 01 min
